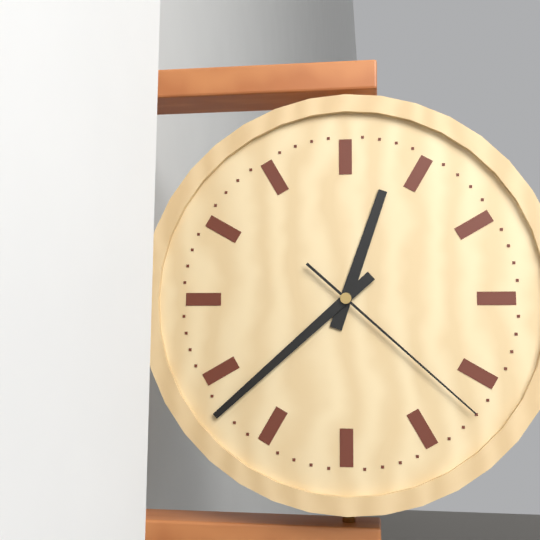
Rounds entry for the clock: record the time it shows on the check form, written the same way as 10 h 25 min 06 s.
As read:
12 h 38 min 22 s
